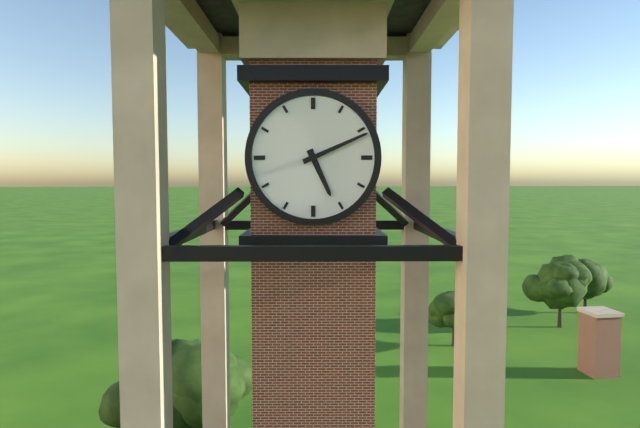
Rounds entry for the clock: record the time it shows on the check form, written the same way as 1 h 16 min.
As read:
5 h 11 min
